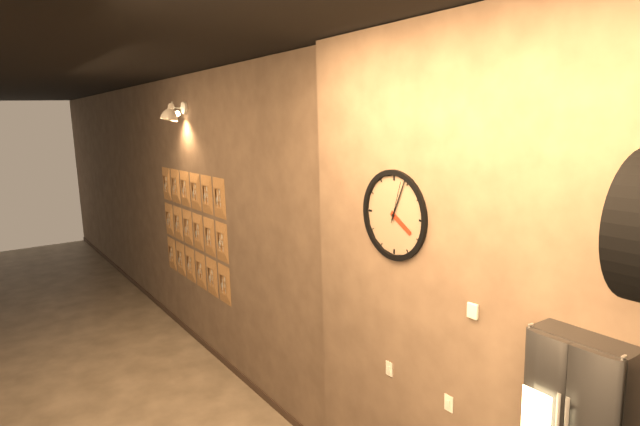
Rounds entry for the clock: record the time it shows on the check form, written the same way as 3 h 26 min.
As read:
4 h 04 min
